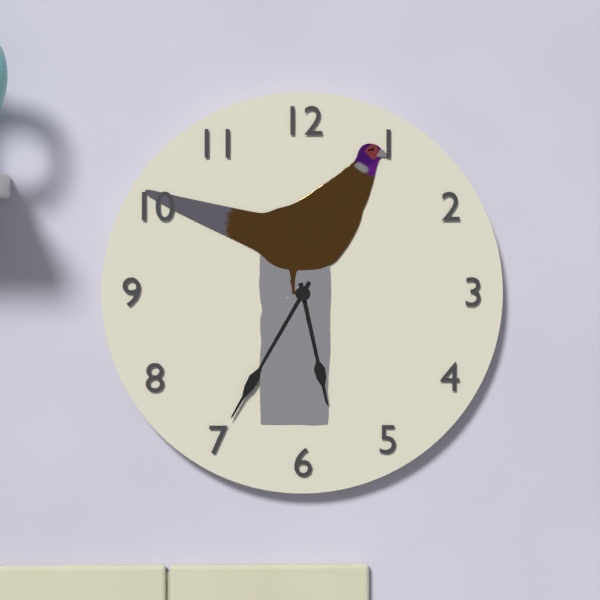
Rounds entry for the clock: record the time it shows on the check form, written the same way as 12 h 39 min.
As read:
5 h 35 min
